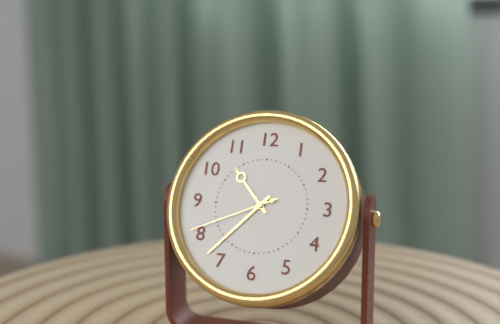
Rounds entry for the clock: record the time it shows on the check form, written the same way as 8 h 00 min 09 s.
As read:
10 h 37 min 41 s
